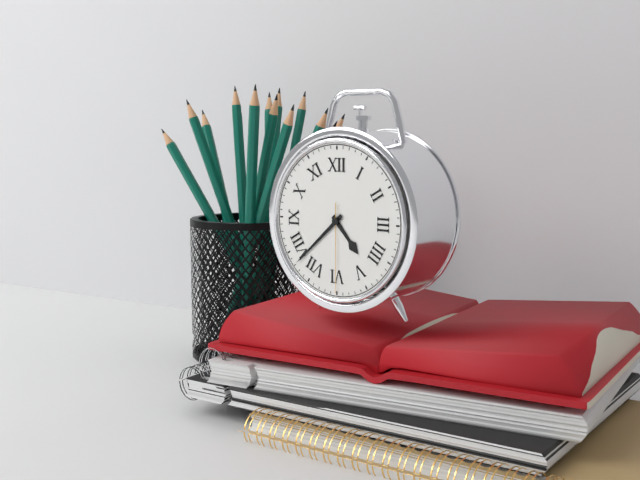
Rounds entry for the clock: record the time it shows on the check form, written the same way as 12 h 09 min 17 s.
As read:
4 h 38 min 30 s
